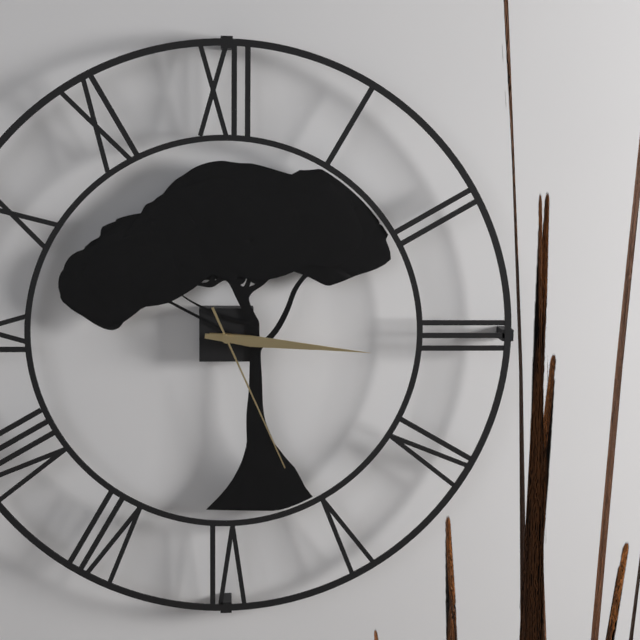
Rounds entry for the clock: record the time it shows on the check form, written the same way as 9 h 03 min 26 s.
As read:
3 h 16 min 26 s
